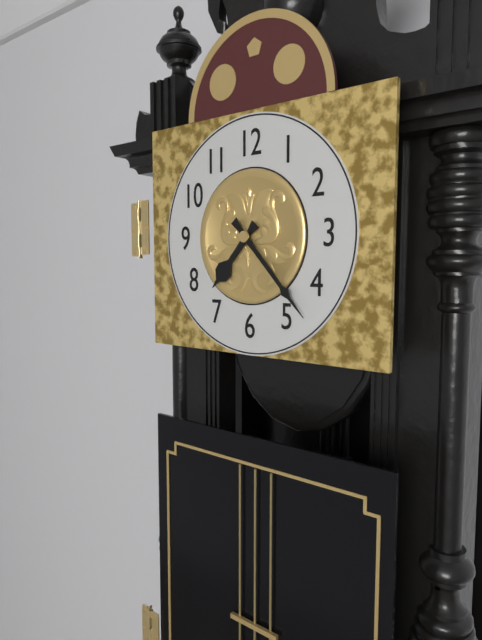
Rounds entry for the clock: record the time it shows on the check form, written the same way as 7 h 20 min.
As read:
7 h 23 min
